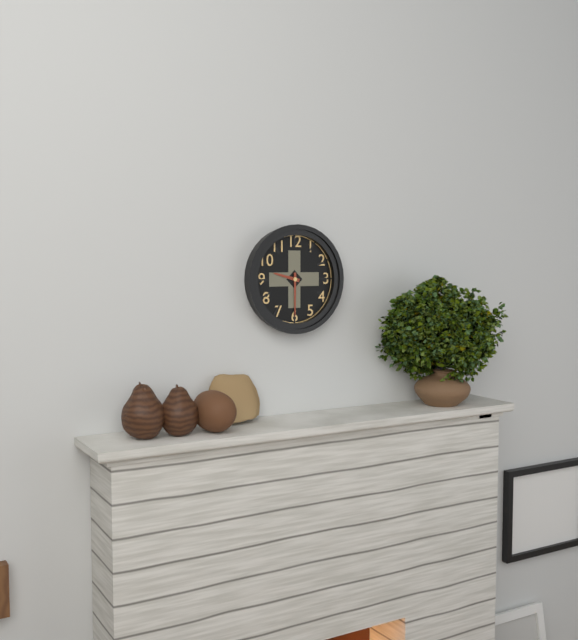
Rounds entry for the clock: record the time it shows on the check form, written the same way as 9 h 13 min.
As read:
9 h 30 min
